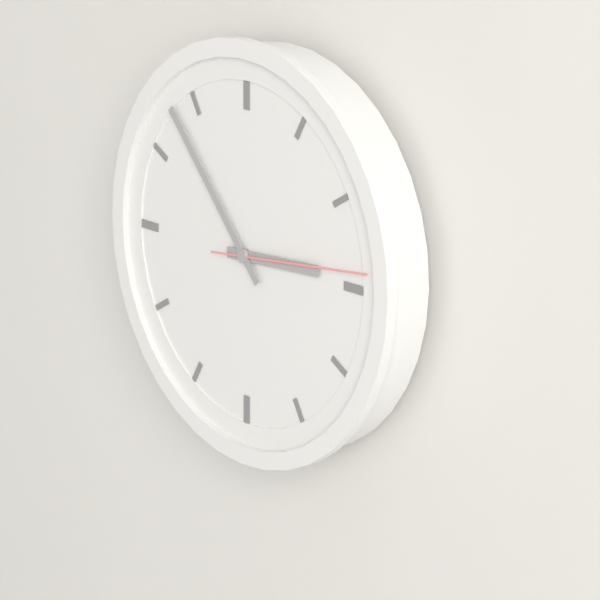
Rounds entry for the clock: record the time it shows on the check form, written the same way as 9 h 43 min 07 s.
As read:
2 h 53 min 14 s
